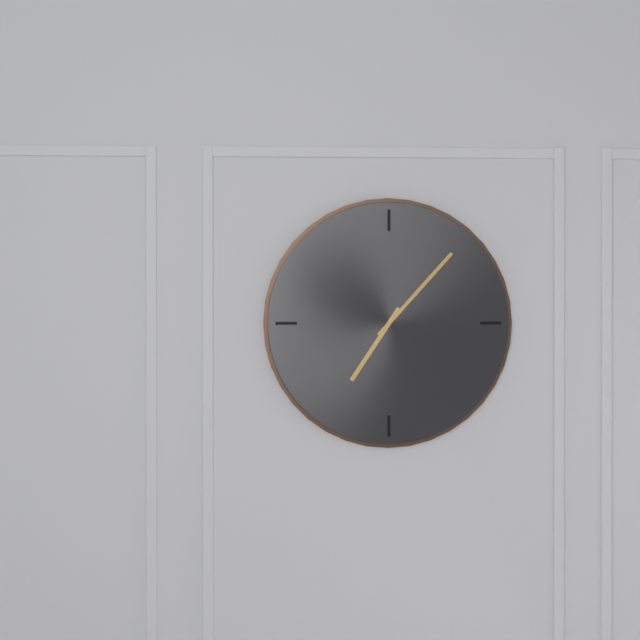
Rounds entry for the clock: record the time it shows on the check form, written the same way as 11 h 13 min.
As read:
7 h 07 min
